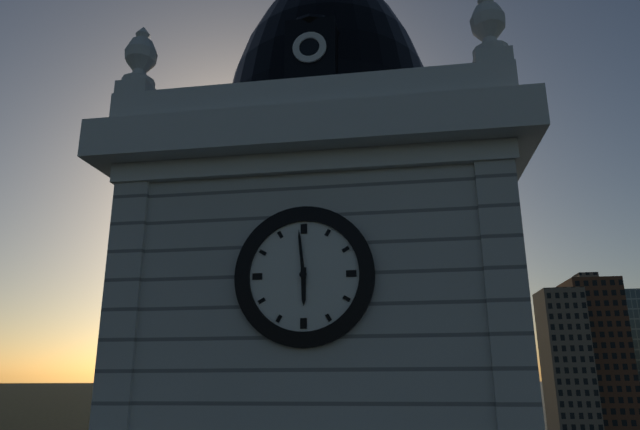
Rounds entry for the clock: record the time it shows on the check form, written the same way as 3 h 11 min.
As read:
5 h 59 min
